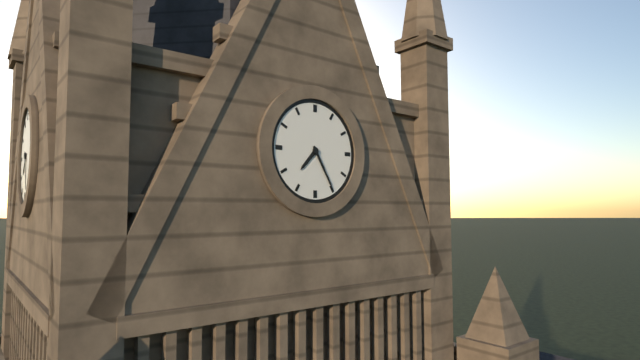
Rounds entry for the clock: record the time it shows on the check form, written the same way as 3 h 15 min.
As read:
7 h 25 min
